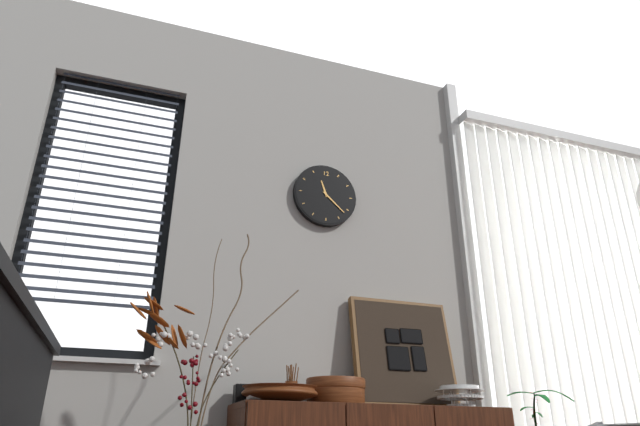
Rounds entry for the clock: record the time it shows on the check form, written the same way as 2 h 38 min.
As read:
11 h 22 min
